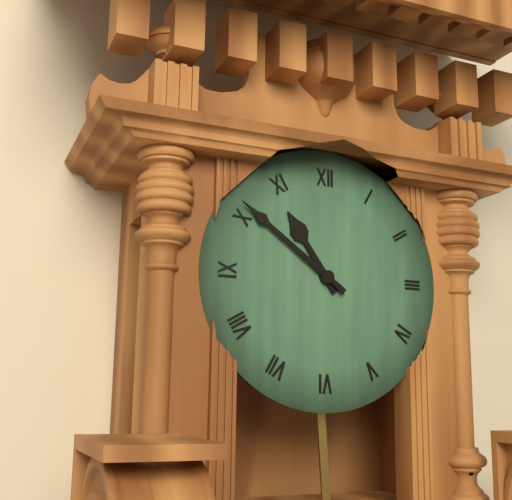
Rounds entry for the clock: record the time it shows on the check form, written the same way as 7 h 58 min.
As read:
10 h 51 min
